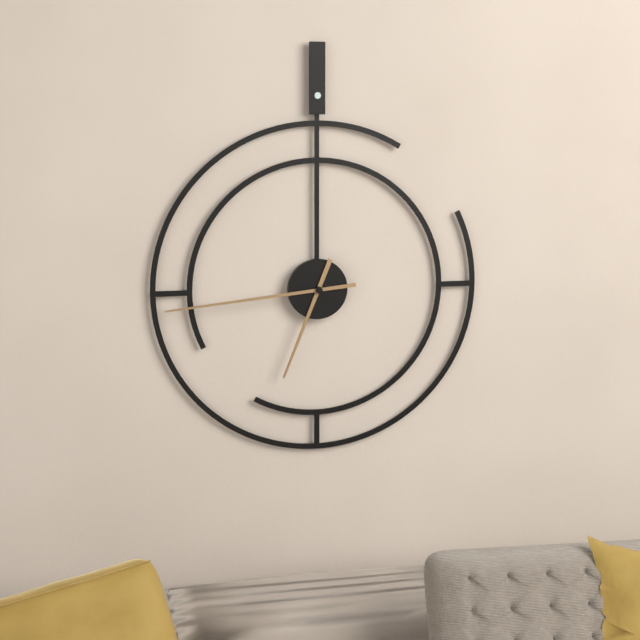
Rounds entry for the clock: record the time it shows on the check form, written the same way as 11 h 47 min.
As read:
6 h 44 min
